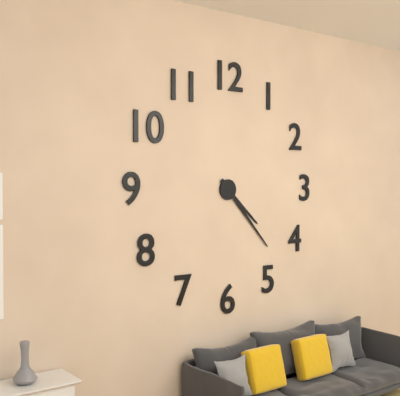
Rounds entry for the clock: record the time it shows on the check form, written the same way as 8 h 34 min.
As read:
4 h 23 min
